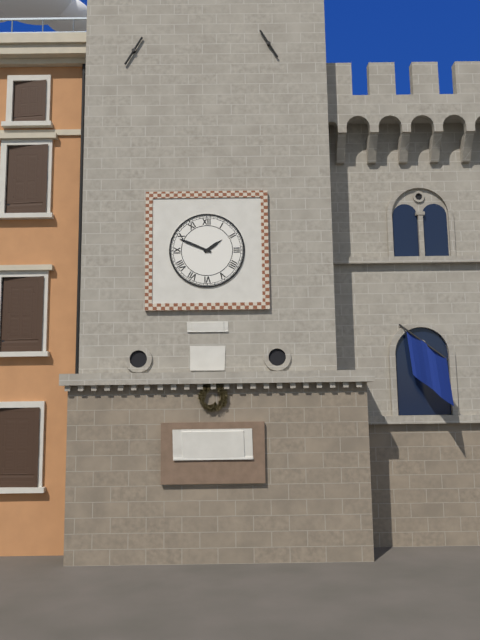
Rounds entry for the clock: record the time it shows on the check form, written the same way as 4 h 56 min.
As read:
1 h 49 min
